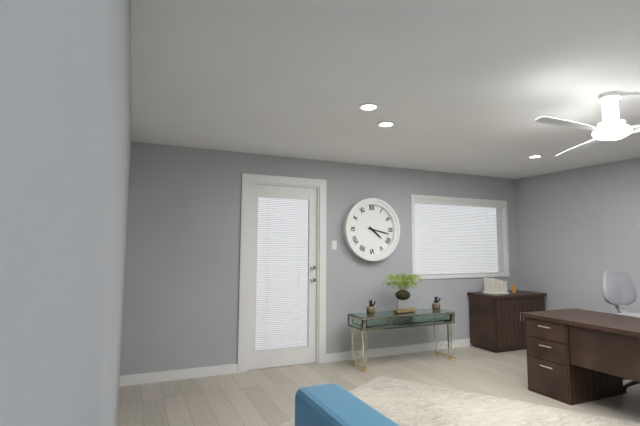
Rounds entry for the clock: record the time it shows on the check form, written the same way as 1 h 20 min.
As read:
4 h 17 min
